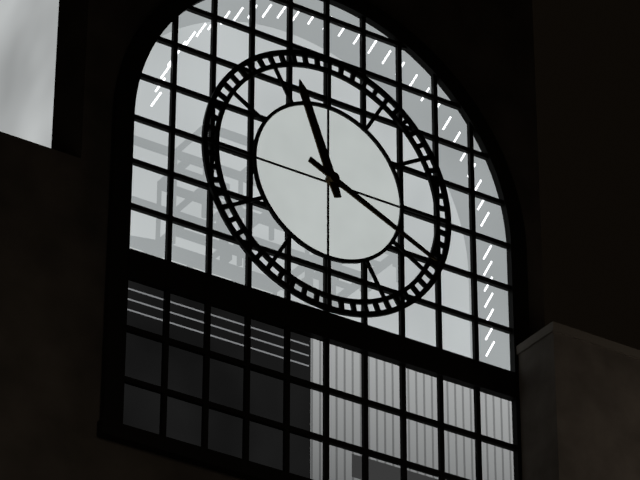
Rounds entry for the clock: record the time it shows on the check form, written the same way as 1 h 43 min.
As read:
11 h 19 min
